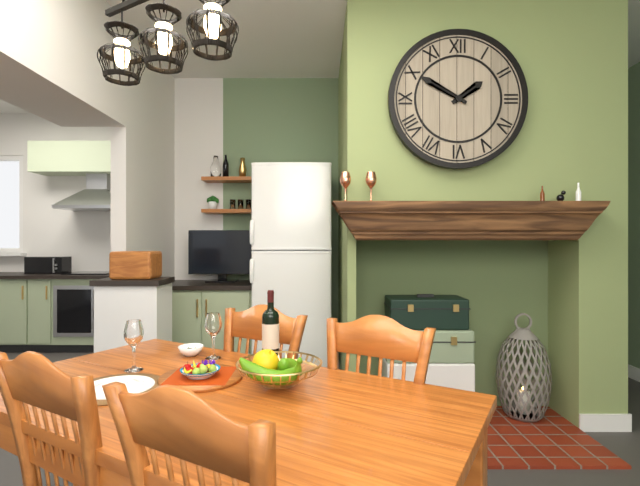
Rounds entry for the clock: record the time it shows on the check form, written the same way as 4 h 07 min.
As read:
1 h 50 min
